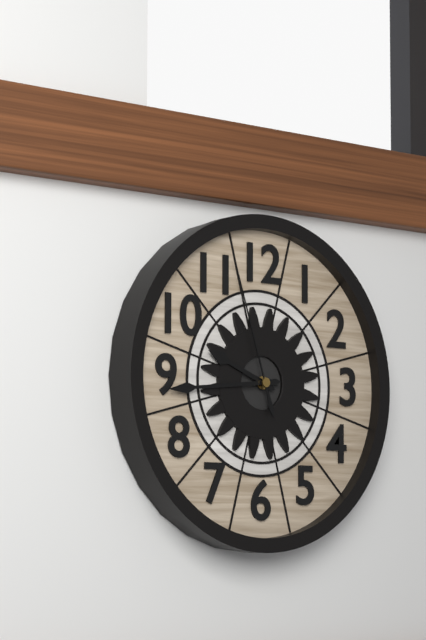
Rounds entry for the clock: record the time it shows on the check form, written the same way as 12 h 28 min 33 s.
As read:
9 h 44 min 57 s
